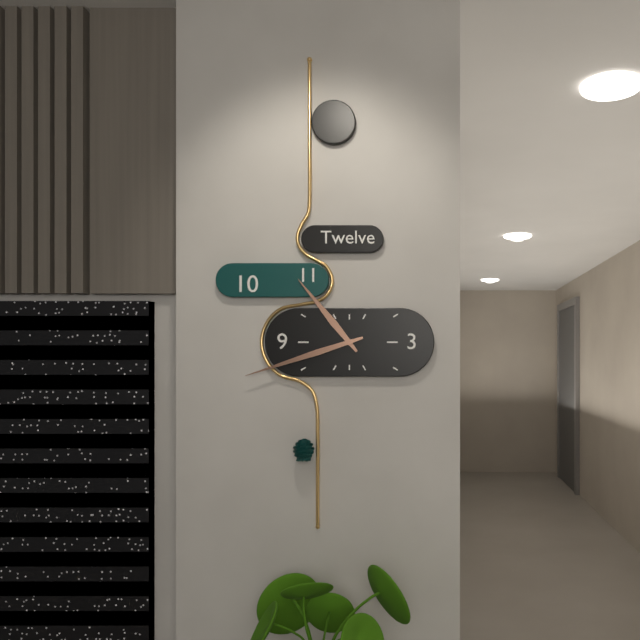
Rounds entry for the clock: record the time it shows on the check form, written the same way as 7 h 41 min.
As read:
10 h 42 min
